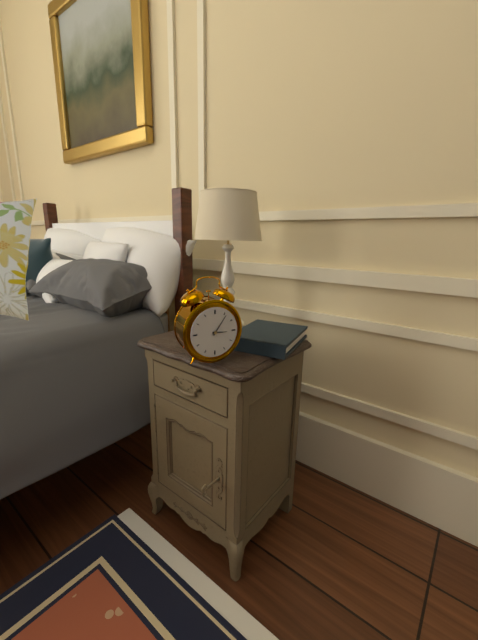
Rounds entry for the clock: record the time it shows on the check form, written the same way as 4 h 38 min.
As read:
3 h 06 min
